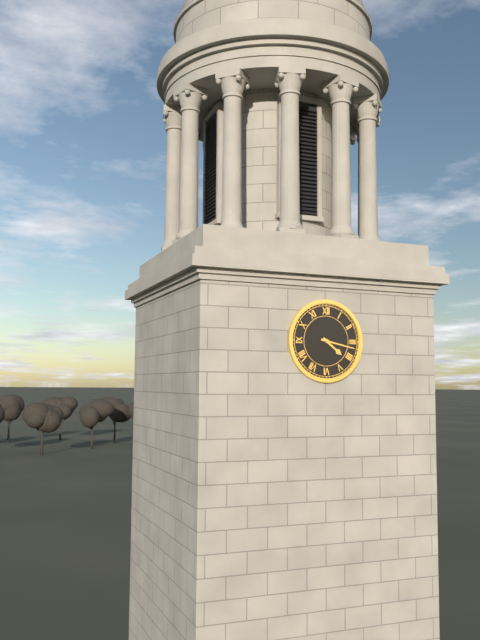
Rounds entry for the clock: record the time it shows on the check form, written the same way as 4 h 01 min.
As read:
4 h 17 min
